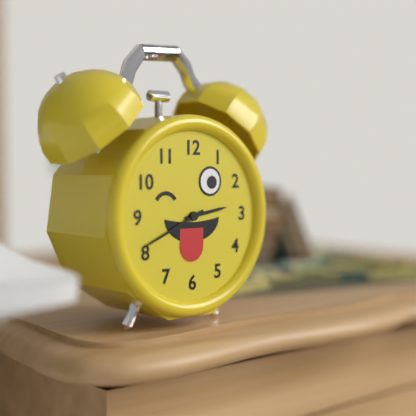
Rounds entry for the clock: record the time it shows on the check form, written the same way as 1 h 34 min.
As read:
2 h 41 min
